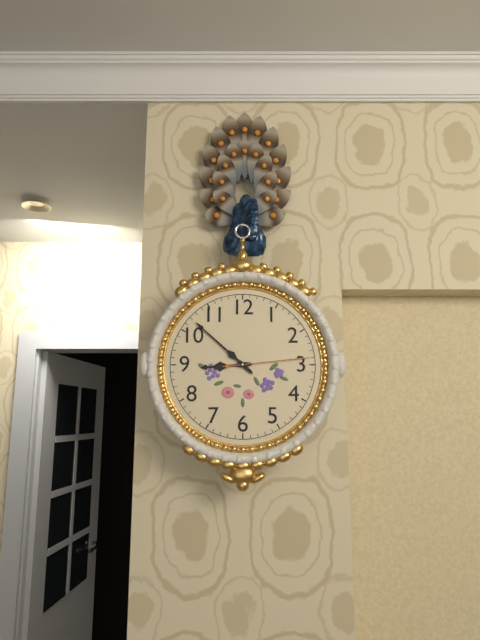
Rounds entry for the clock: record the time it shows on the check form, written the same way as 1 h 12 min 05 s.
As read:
8 h 52 min 14 s
